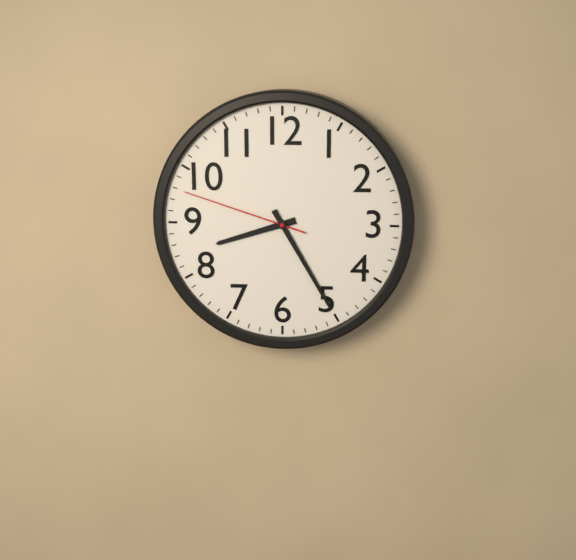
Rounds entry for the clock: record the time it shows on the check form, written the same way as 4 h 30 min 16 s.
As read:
8 h 25 min 48 s
